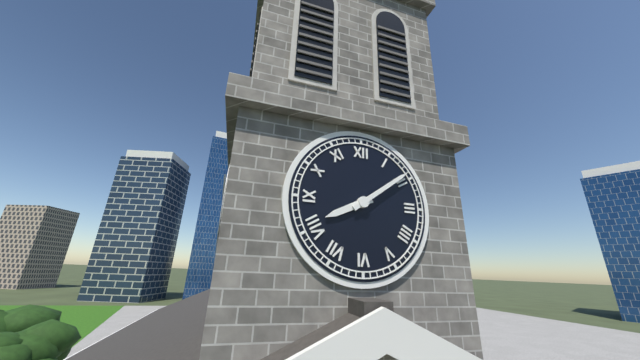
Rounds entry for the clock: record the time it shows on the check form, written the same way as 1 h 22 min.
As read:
8 h 09 min
